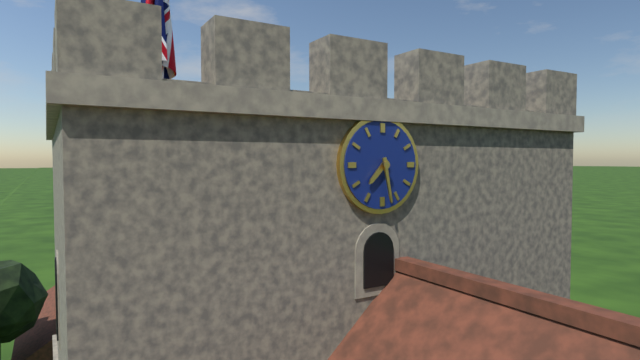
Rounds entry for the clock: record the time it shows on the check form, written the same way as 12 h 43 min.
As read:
7 h 28 min
